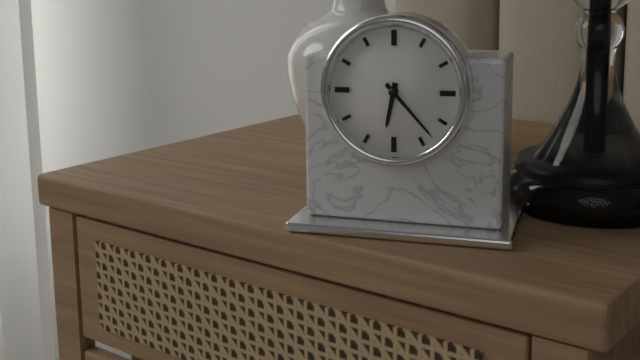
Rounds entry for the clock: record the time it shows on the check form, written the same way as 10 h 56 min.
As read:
6 h 23 min
